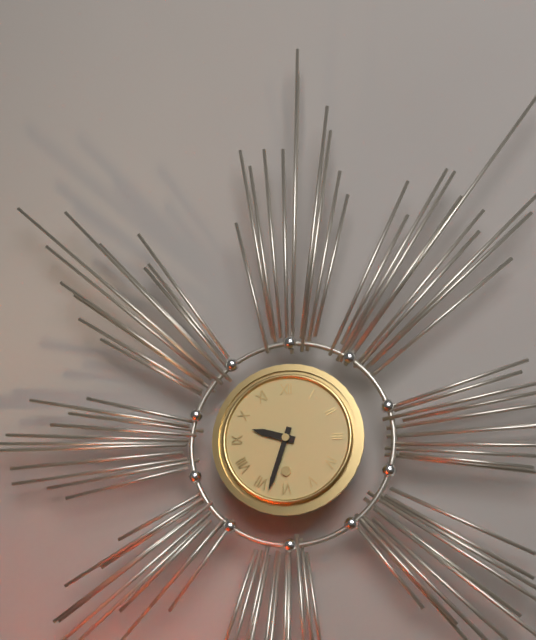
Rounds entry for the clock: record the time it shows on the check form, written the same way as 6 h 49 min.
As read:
9 h 33 min
